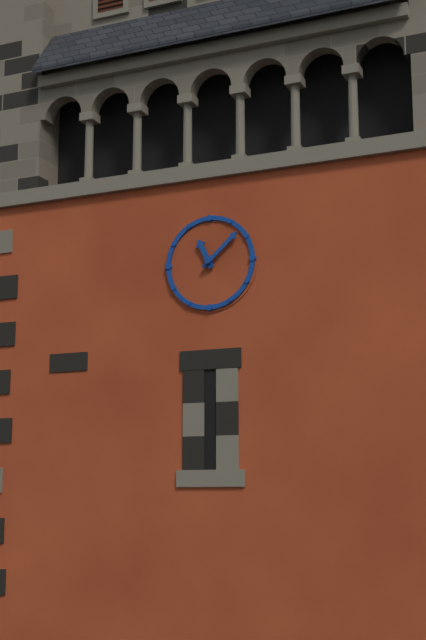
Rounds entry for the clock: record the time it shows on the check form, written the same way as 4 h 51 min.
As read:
11 h 08 min
